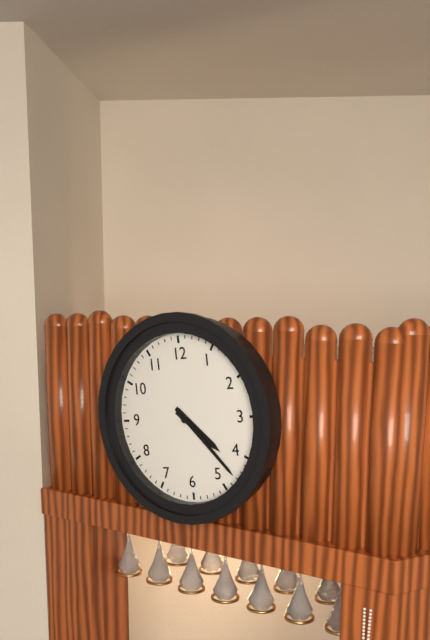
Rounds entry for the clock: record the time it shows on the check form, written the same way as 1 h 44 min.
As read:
4 h 23 min
